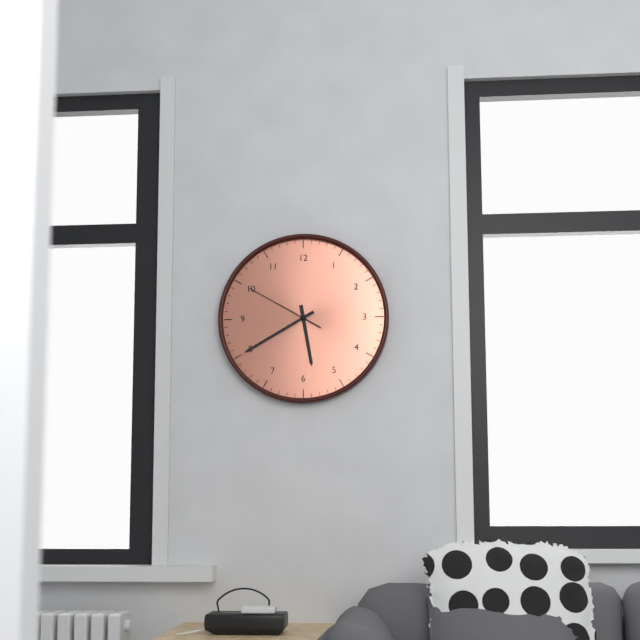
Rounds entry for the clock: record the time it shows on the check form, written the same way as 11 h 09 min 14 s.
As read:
5 h 40 min 50 s
